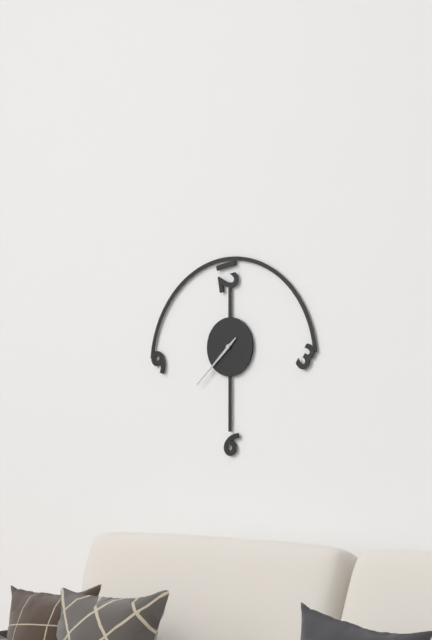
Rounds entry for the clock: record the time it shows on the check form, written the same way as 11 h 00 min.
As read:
7 h 38 min
